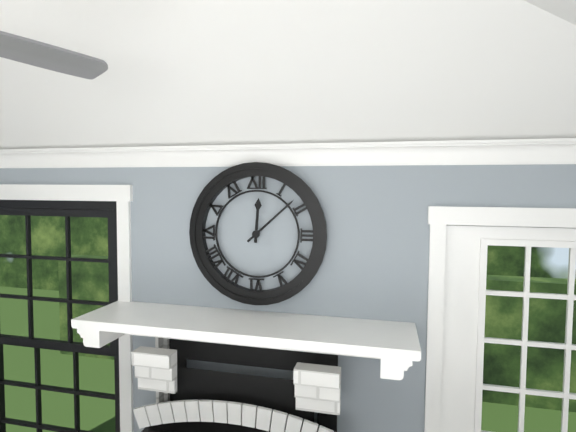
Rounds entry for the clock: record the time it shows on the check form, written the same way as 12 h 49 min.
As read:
12 h 08 min
